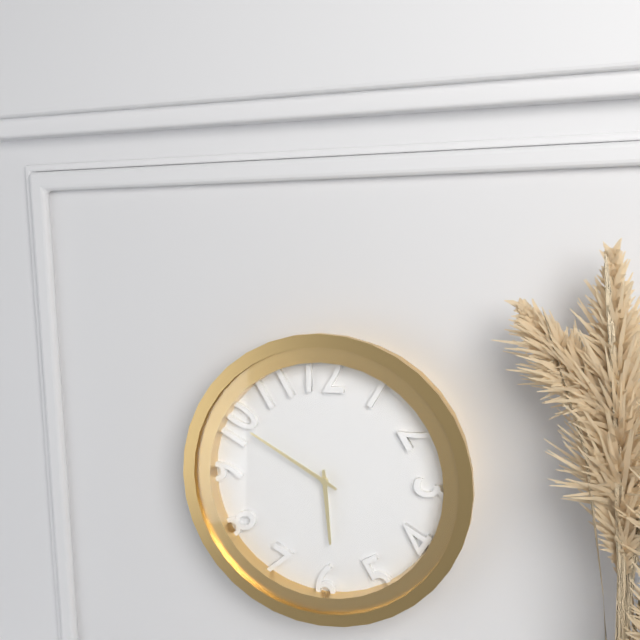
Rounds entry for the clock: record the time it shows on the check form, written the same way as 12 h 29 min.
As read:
5 h 50 min
